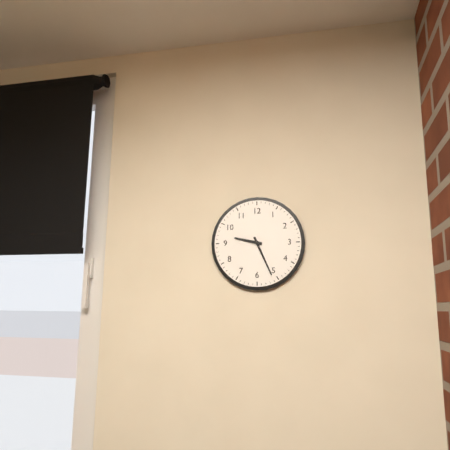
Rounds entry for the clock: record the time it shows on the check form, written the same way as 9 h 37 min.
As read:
9 h 26 min
